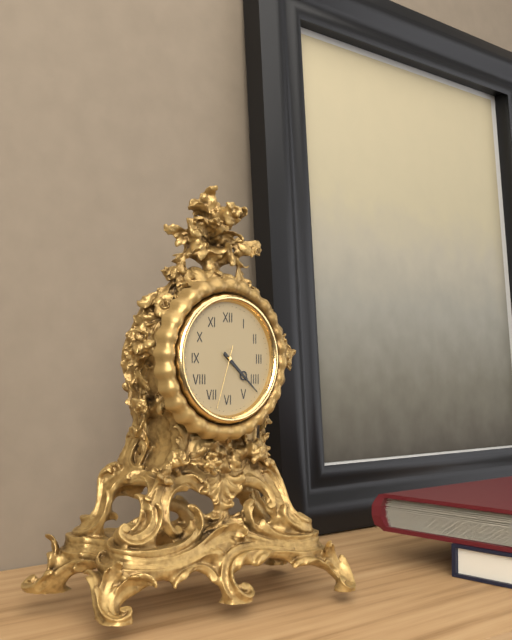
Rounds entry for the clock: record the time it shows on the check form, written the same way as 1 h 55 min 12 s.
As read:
4 h 22 min 33 s
